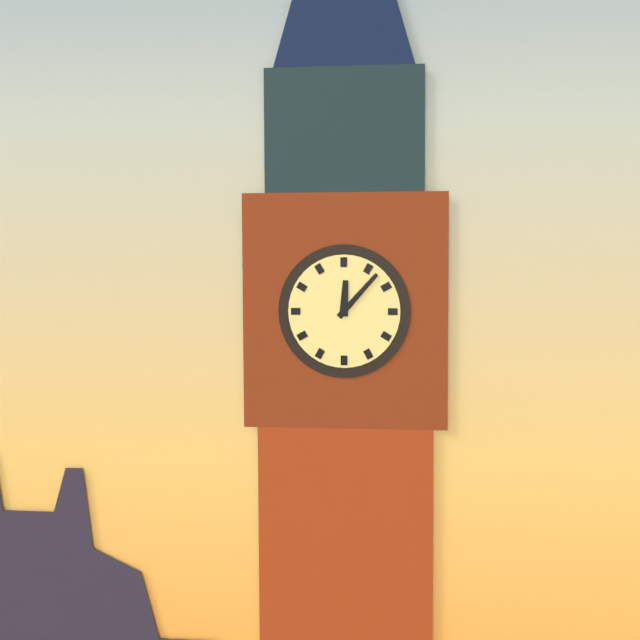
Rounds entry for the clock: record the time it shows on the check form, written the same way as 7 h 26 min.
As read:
12 h 07 min
